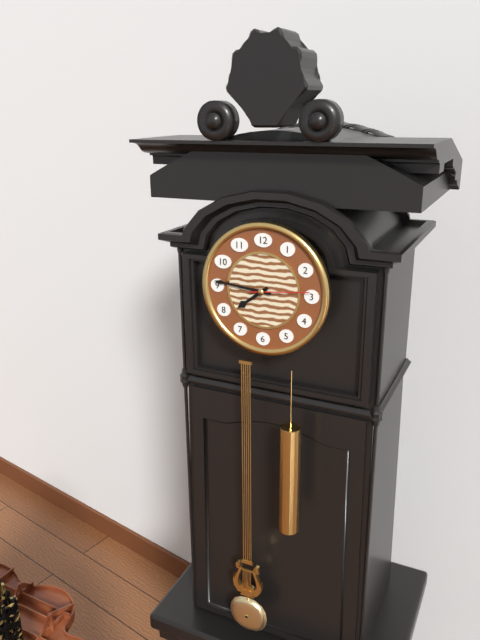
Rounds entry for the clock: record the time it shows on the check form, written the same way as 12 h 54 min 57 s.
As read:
7 h 46 min 14 s
